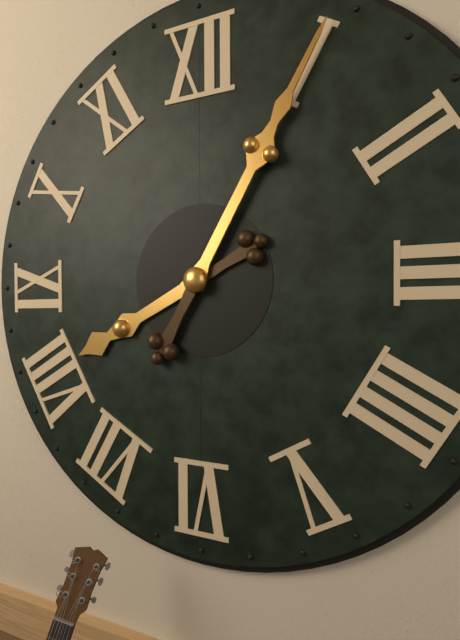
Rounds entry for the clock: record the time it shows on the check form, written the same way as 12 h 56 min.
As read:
8 h 05 min
